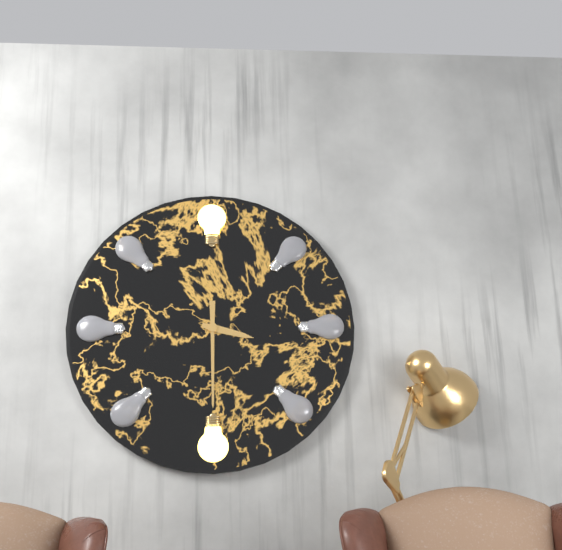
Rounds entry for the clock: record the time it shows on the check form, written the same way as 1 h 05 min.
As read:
3 h 30 min
